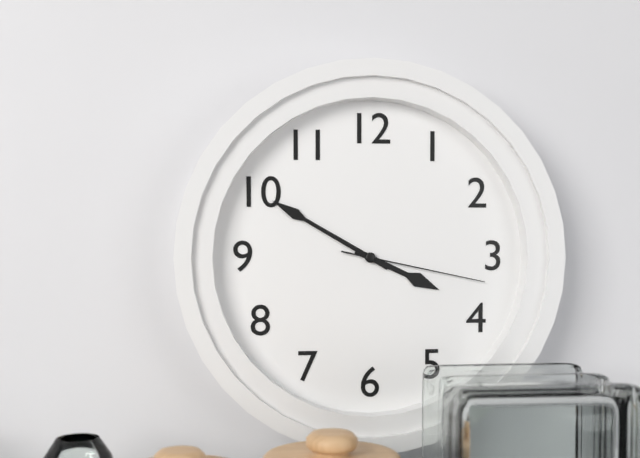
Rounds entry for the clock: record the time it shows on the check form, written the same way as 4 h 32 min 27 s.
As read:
3 h 50 min 17 s
